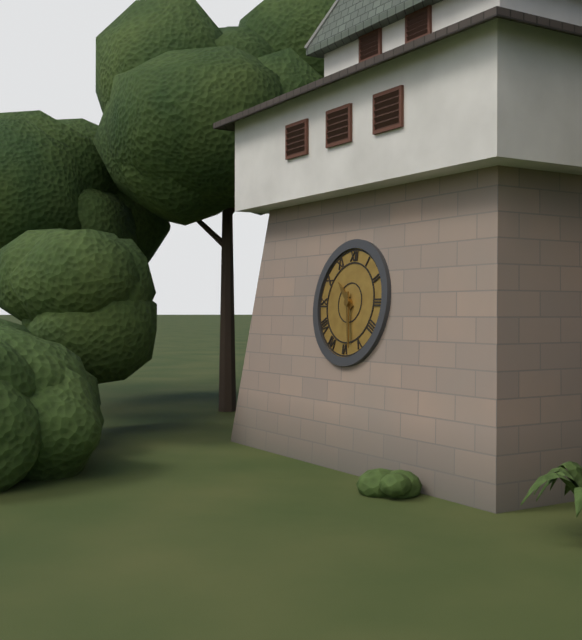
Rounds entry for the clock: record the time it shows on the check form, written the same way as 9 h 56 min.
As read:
10 h 28 min
